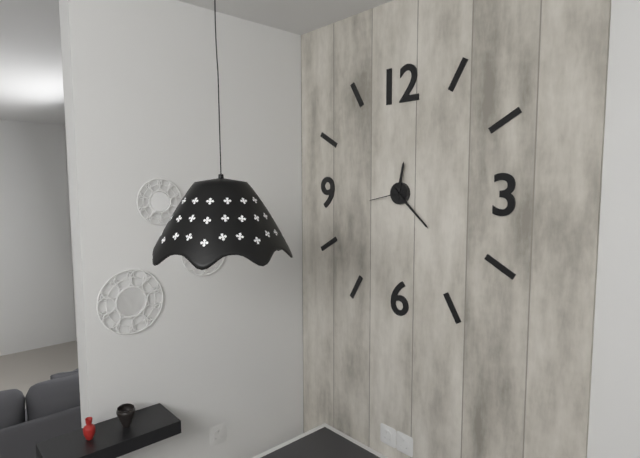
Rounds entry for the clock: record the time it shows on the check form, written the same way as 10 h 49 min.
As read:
12 h 22 min
